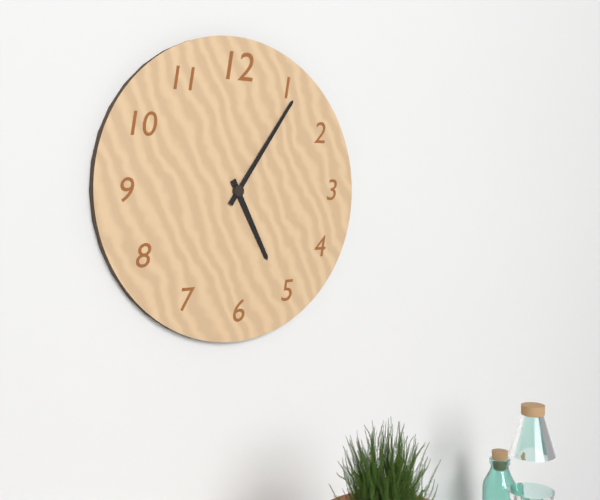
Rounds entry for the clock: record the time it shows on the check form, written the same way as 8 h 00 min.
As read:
5 h 06 min
